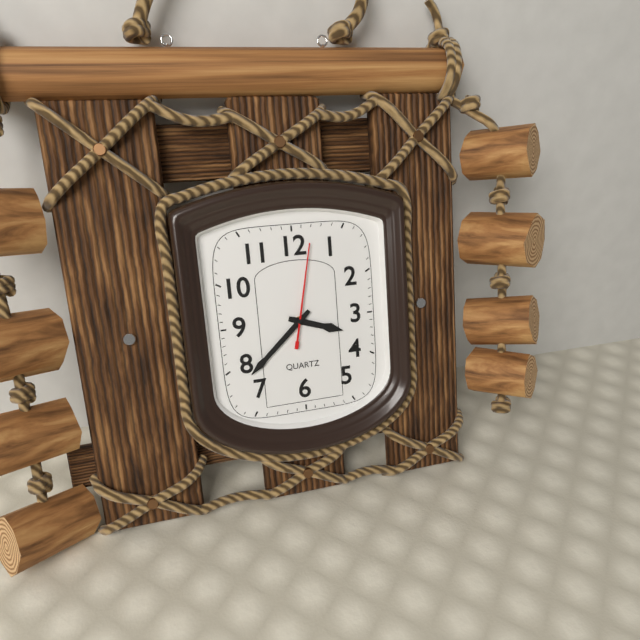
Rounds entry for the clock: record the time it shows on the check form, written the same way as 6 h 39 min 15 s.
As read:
3 h 38 min 02 s
